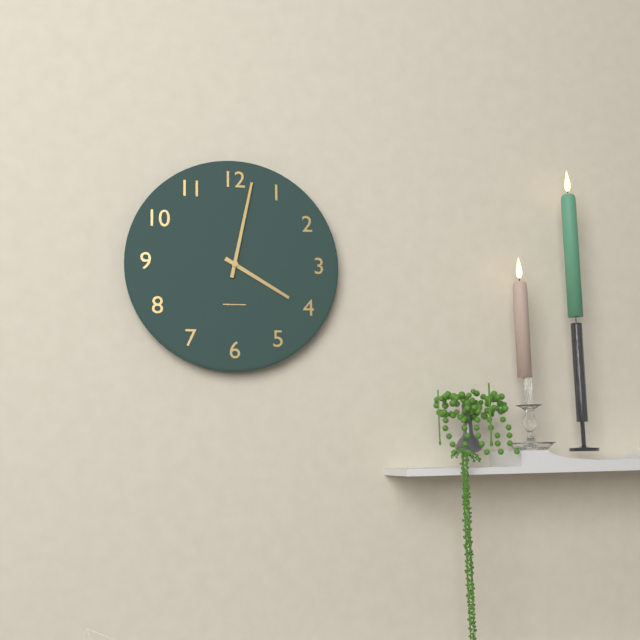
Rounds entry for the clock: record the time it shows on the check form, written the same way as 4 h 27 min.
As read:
4 h 02 min
